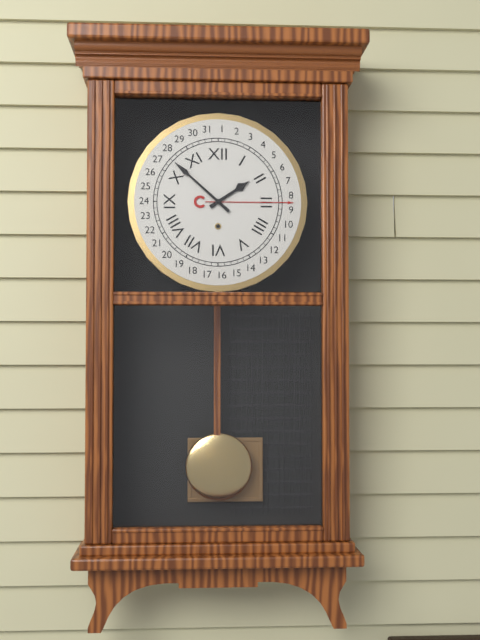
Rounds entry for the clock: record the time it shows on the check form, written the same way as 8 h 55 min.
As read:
1 h 52 min
